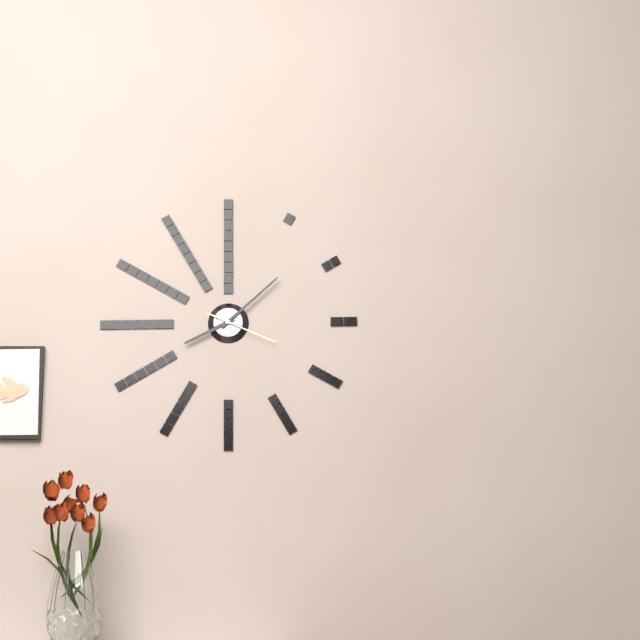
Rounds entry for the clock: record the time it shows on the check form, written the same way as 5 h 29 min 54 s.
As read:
8 h 08 min 19 s
